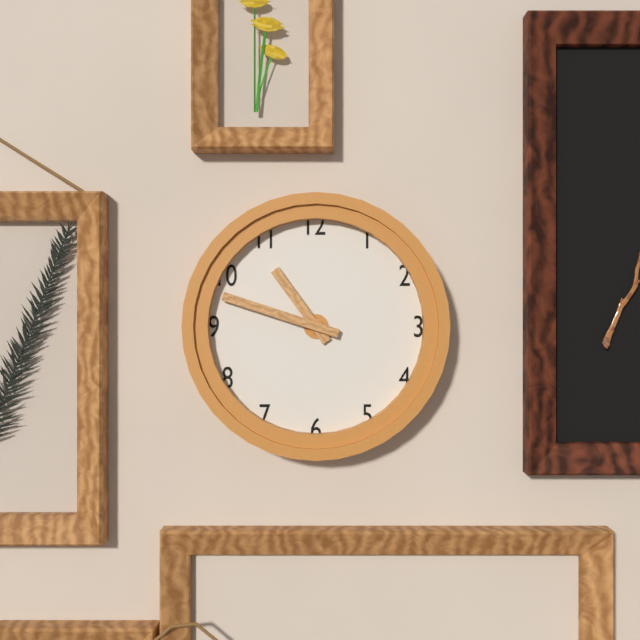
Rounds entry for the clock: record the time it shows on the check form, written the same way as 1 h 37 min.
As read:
10 h 48 min
